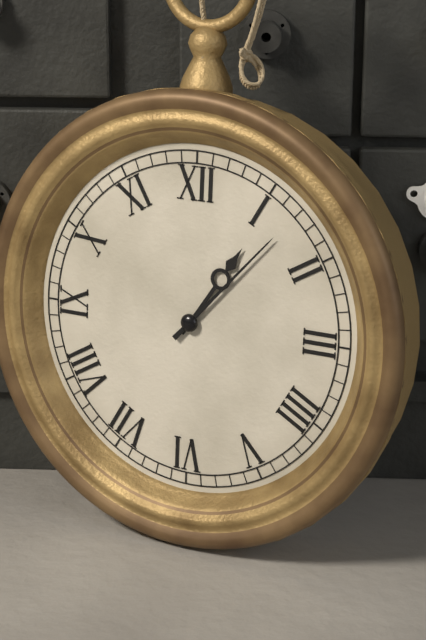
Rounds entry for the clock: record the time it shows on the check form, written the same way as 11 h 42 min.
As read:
1 h 07 min
